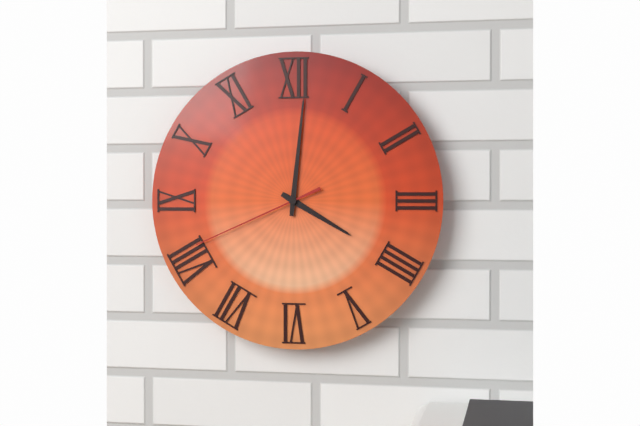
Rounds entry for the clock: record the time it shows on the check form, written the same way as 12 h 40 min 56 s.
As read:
4 h 01 min 41 s
